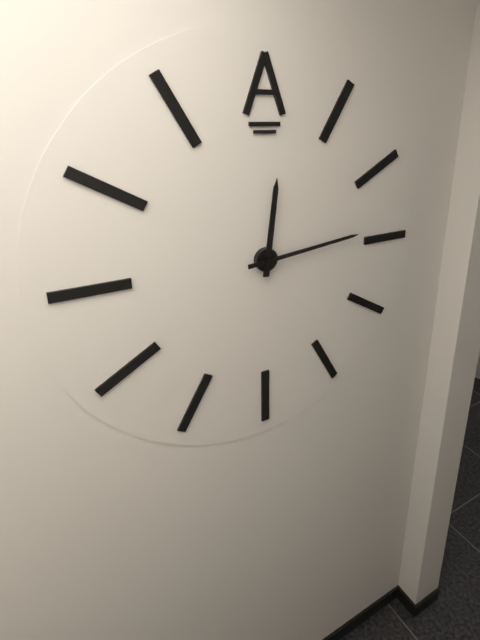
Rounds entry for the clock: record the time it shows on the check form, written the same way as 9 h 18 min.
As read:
12 h 14 min
